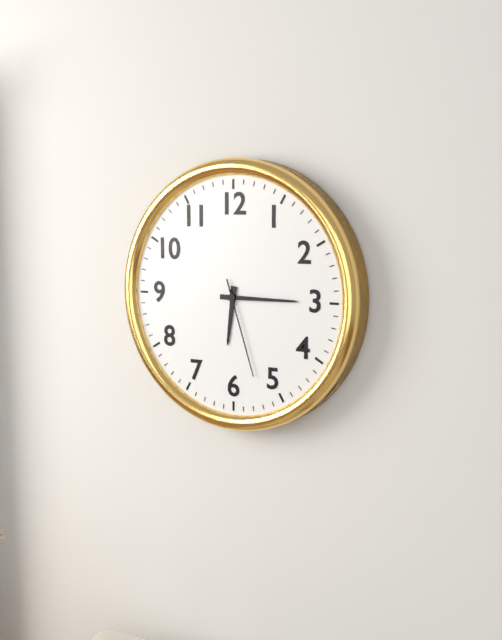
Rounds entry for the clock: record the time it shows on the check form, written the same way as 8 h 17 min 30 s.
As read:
6 h 15 min 27 s
